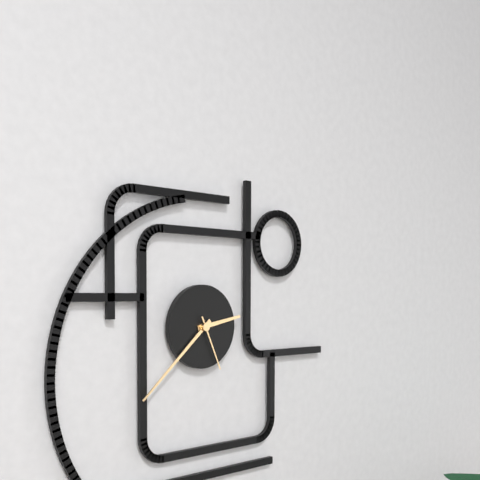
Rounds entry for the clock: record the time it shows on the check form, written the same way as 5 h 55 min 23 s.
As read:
2 h 38 min 26 s
